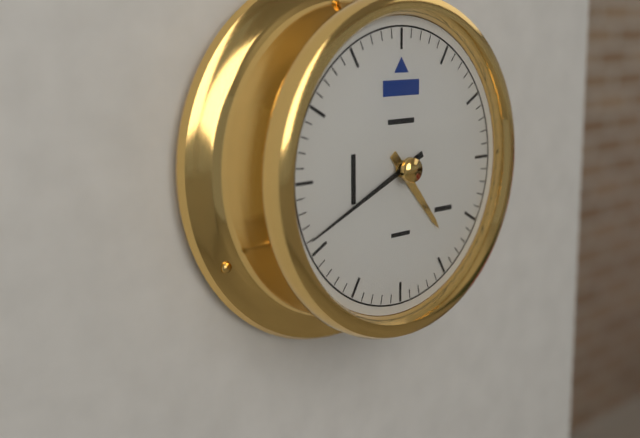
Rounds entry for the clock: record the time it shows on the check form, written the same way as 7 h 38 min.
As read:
4 h 41 min
